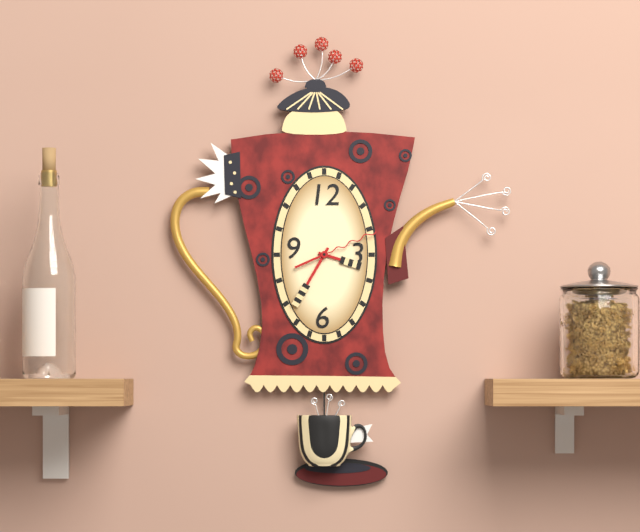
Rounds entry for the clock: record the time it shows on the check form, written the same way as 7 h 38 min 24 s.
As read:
3 h 35 min 11 s
